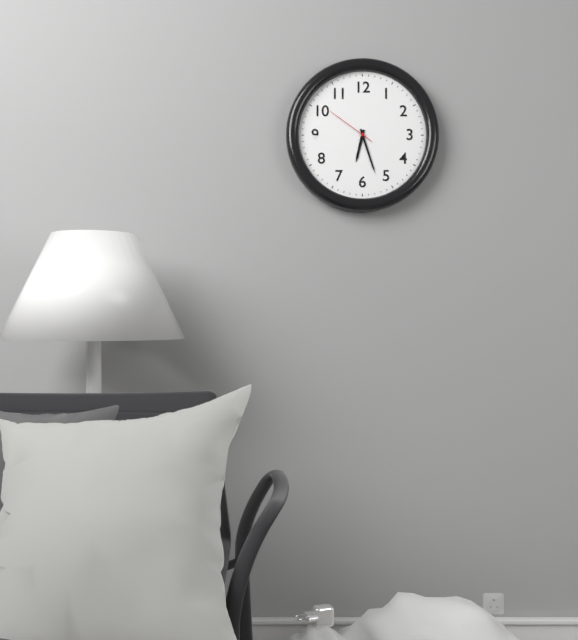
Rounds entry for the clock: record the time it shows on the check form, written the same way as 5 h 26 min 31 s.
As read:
6 h 27 min 51 s
